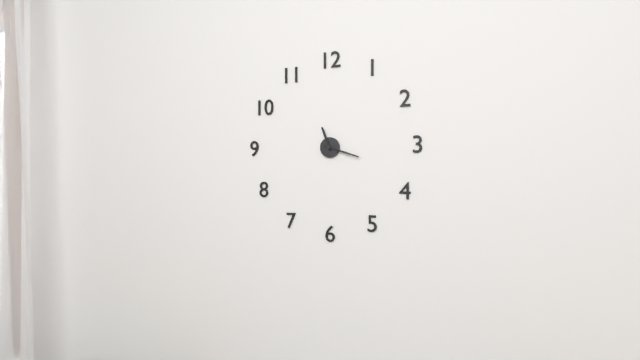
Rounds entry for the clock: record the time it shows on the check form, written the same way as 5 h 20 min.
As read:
11 h 18 min
